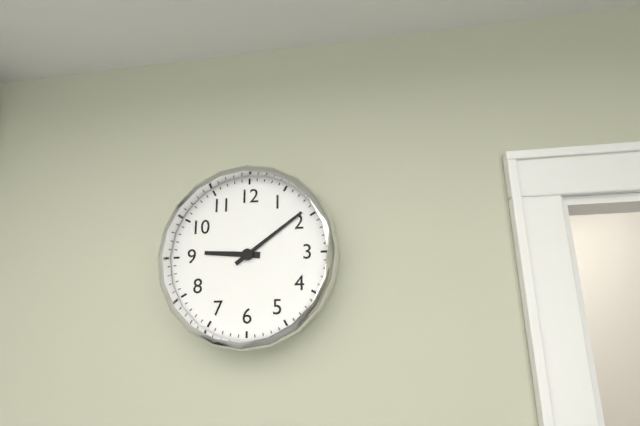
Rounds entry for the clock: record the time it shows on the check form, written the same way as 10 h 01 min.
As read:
9 h 09 min
